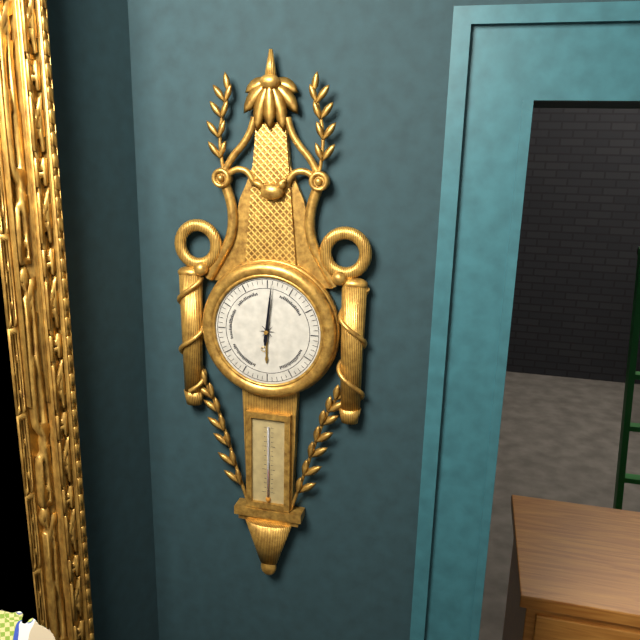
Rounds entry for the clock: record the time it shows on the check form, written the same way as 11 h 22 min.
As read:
6 h 01 min
